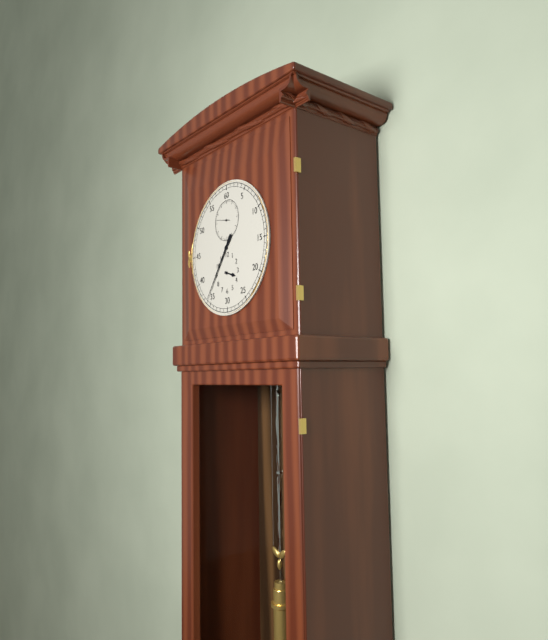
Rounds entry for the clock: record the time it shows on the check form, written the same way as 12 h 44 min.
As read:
3 h 36 min
